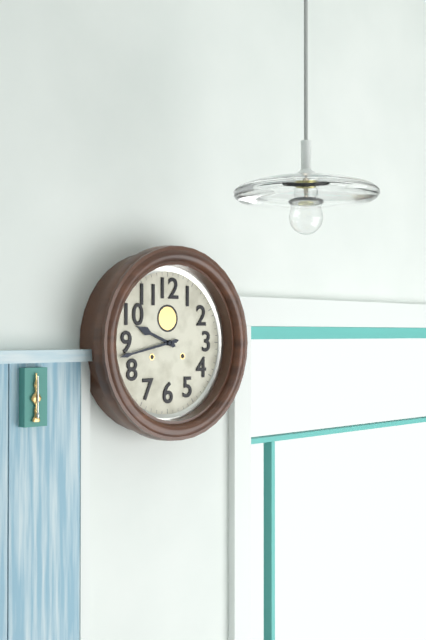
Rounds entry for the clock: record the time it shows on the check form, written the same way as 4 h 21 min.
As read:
9 h 43 min
